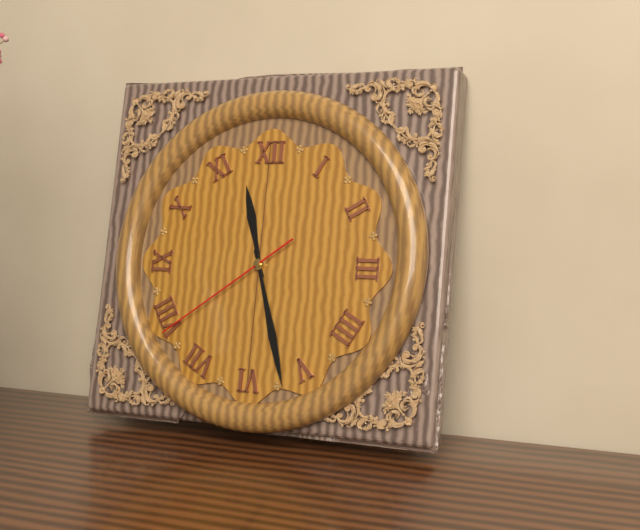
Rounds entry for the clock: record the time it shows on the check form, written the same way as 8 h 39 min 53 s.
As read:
11 h 27 min 39 s
